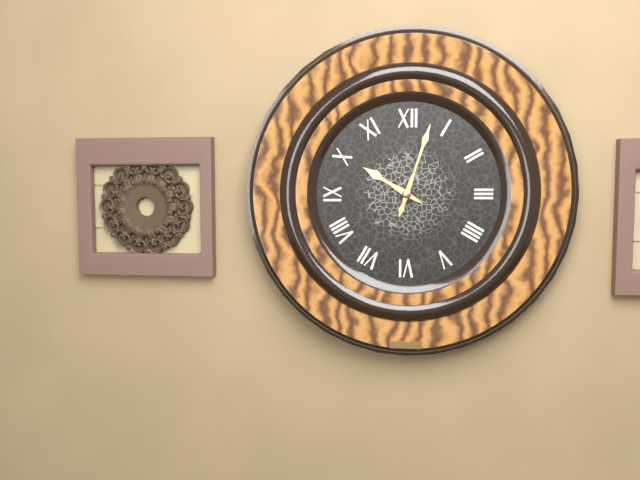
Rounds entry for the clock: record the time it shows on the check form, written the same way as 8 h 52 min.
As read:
10 h 03 min
